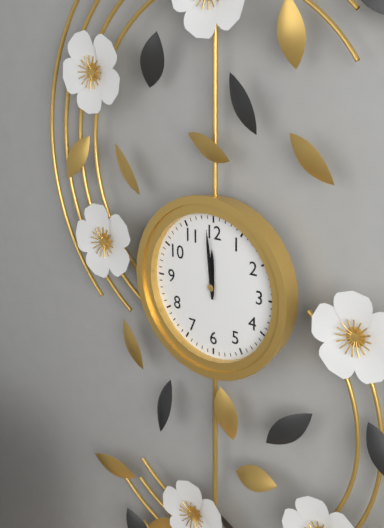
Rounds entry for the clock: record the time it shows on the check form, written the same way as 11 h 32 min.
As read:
11 h 59 min
